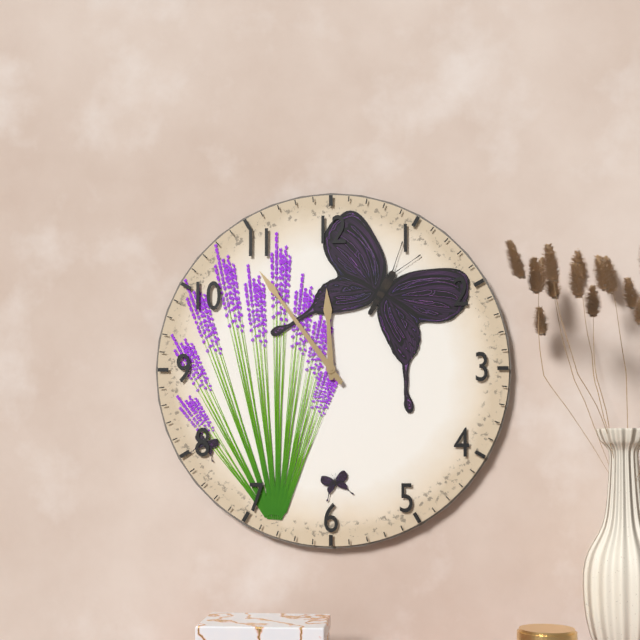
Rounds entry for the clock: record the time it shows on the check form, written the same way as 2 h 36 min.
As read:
11 h 54 min
